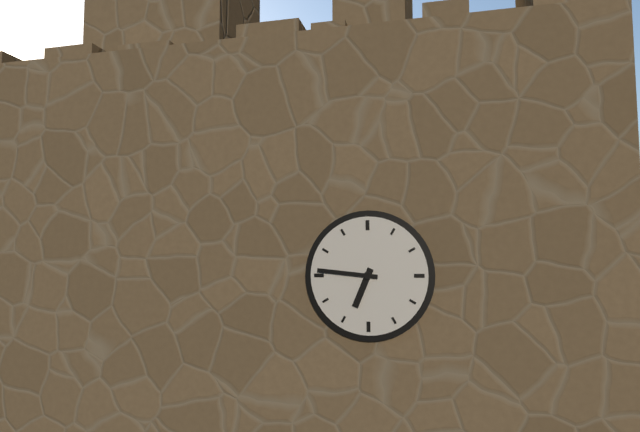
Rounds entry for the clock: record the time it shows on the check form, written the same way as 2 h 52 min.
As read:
6 h 46 min
